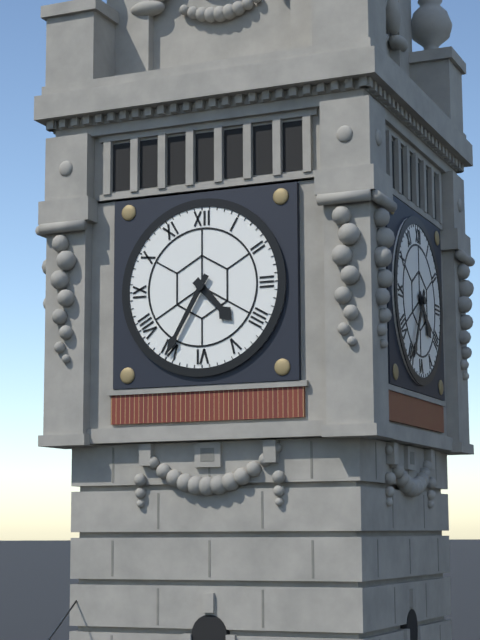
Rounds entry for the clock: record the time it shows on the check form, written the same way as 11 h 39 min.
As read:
4 h 35 min
